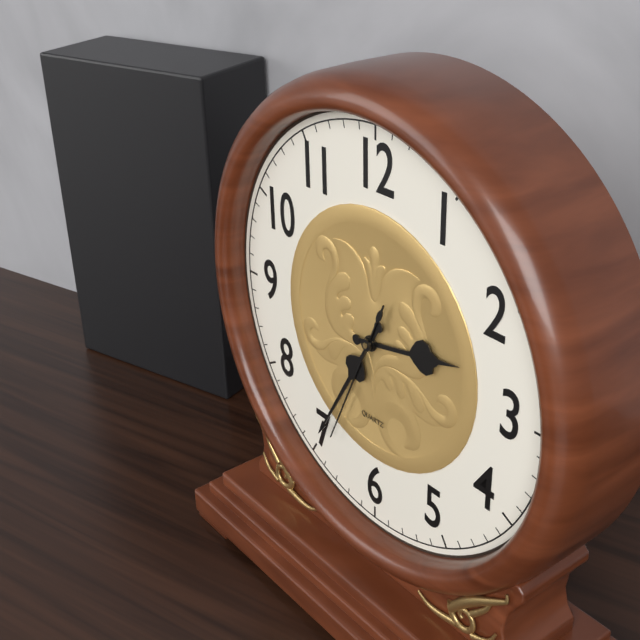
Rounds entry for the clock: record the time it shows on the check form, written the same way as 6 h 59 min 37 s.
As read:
2 h 35 min 34 s
